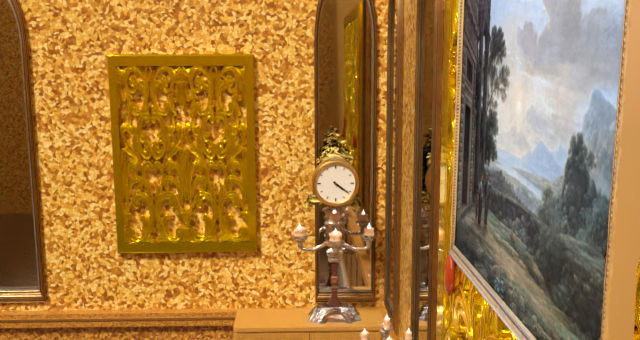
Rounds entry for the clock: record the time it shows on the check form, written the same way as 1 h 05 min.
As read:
4 h 21 min
